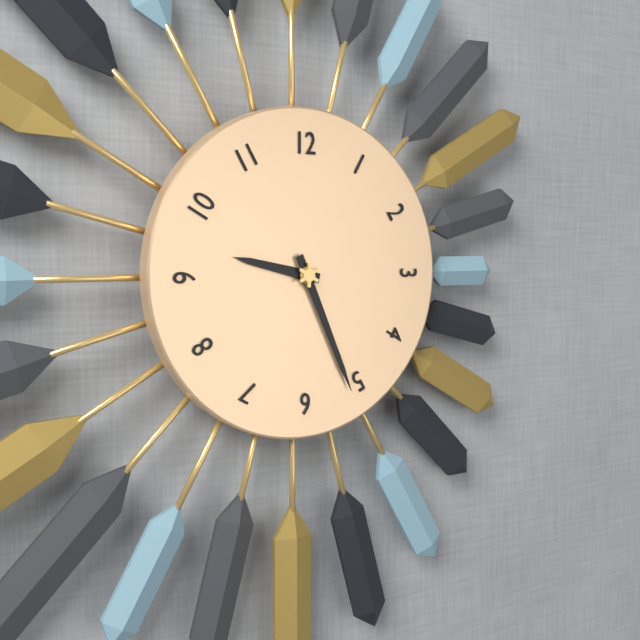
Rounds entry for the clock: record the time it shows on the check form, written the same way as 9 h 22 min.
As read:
9 h 26 min
